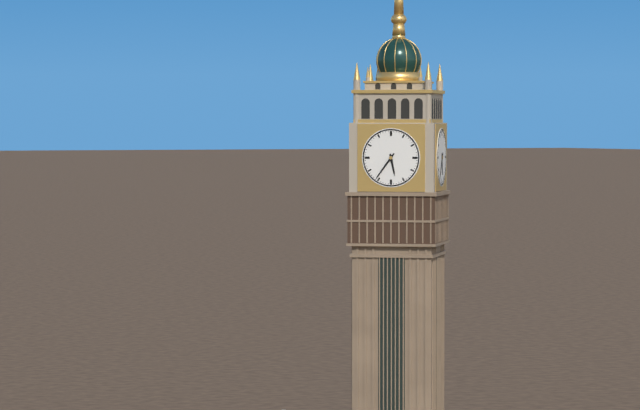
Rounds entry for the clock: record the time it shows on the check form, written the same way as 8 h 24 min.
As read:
5 h 36 min
